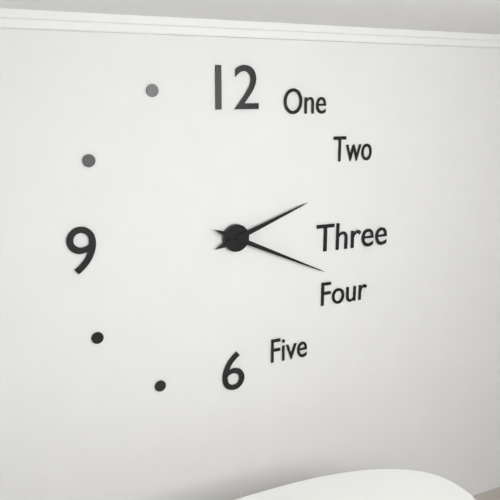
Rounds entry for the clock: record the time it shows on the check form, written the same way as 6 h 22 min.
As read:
2 h 19 min
